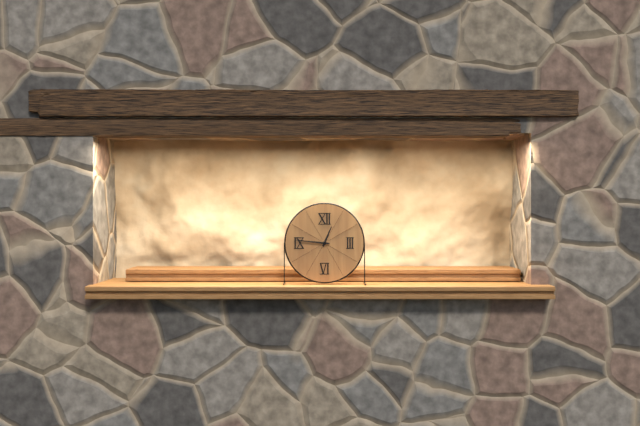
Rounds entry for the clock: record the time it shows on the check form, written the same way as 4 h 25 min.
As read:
12 h 46 min
